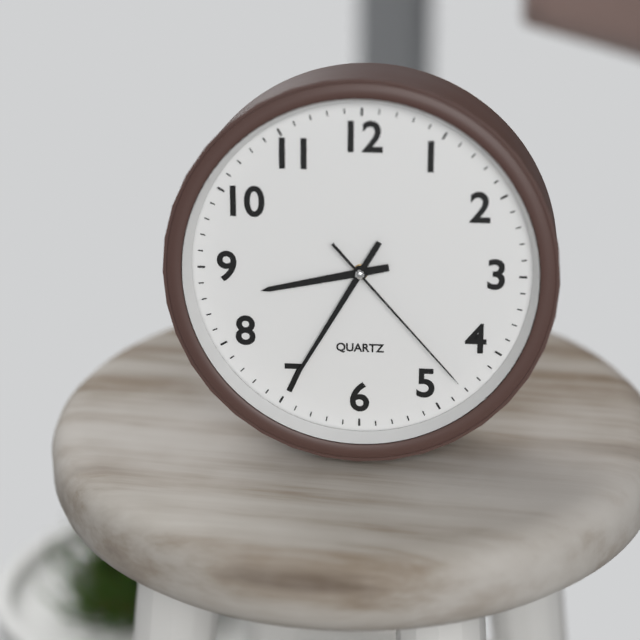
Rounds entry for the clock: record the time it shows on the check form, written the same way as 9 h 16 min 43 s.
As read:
8 h 35 min 23 s
